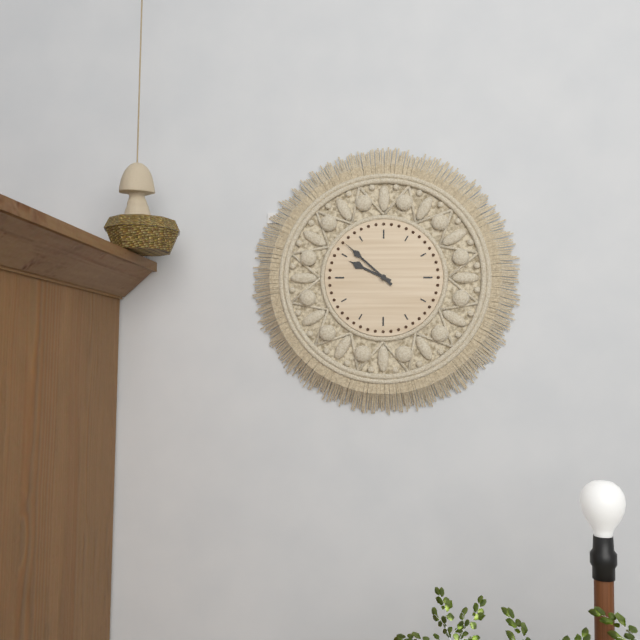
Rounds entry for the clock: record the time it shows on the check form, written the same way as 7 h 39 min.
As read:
9 h 52 min
